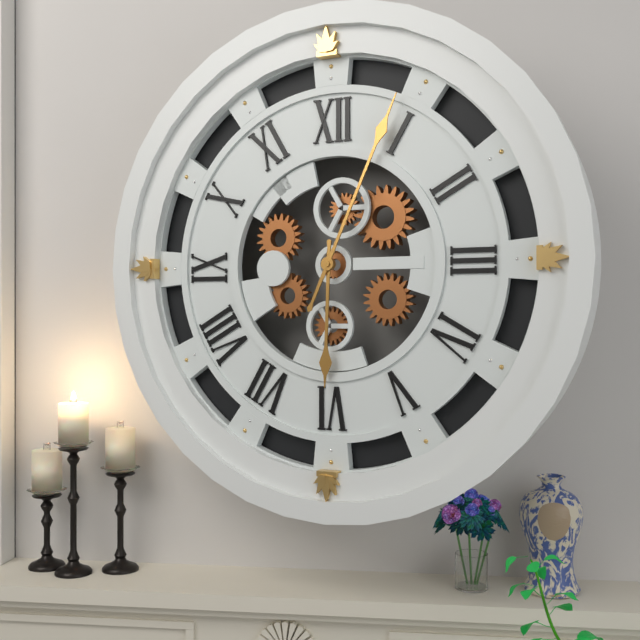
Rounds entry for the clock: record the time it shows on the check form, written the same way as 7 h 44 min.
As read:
6 h 04 min
